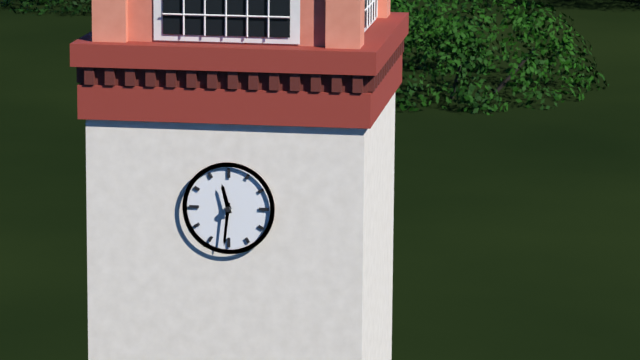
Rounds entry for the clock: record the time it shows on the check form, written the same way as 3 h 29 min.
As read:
11 h 31 min
